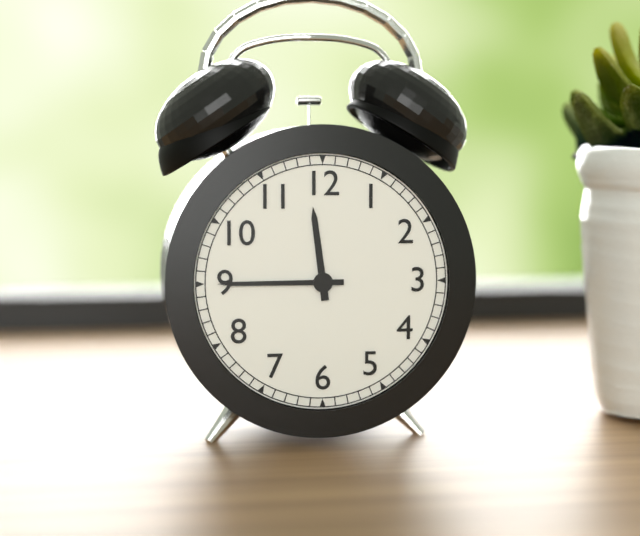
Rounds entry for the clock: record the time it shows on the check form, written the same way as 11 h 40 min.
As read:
11 h 45 min
